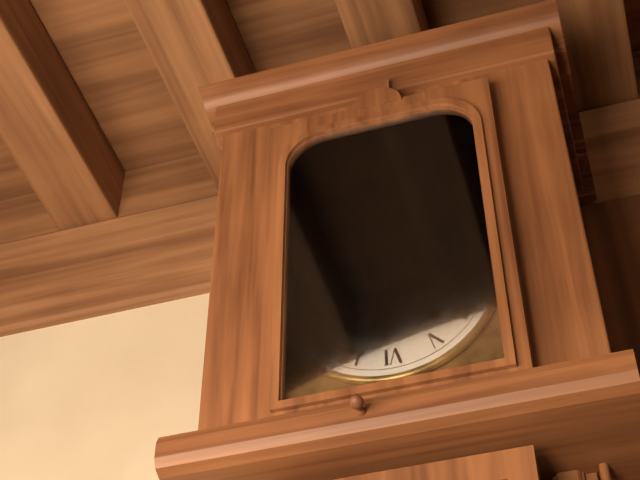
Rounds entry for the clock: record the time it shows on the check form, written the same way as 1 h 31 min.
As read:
6 h 14 min
